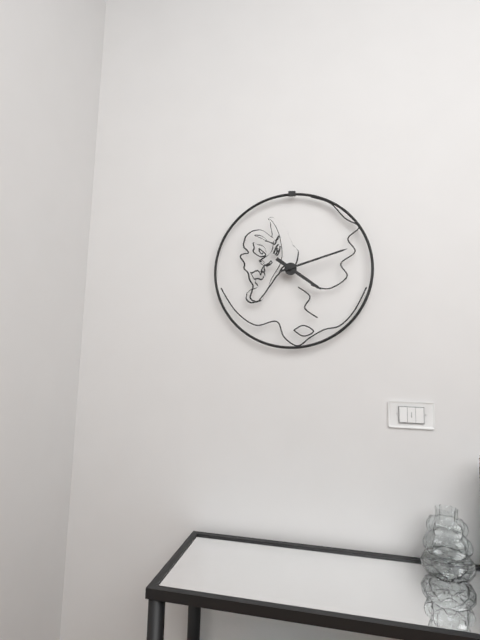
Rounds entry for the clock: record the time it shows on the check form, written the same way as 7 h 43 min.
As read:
4 h 12 min
